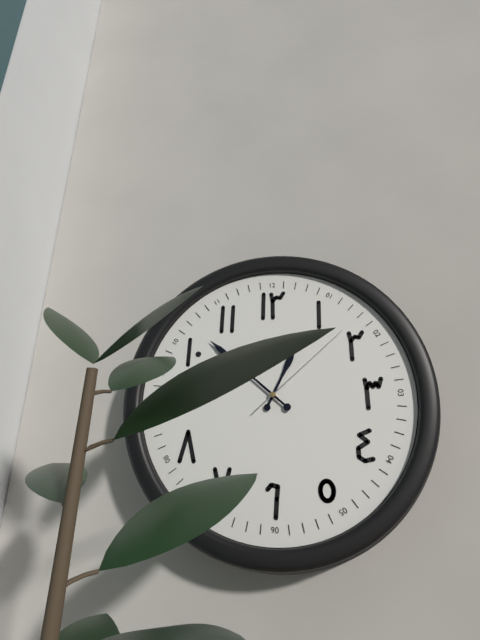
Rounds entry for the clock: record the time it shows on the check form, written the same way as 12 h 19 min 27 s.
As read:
12 h 52 min 08 s
